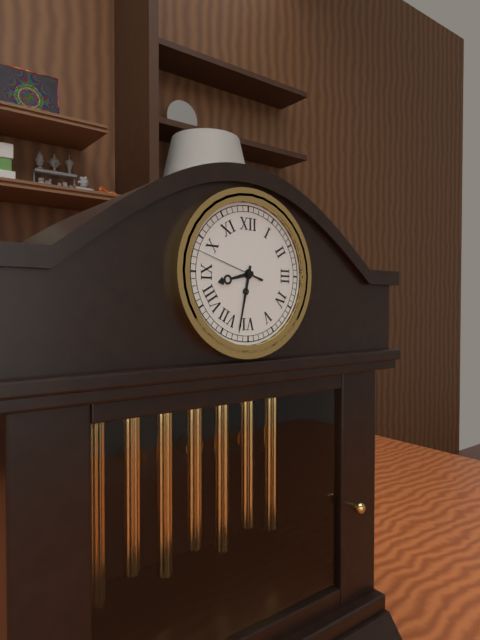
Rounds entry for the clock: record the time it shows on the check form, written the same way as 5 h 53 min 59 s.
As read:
8 h 32 min 48 s
